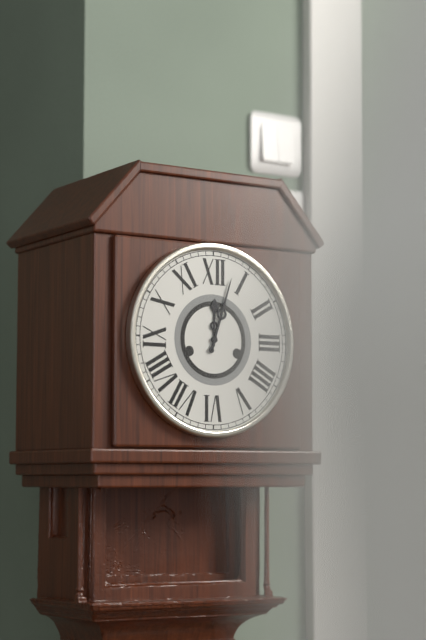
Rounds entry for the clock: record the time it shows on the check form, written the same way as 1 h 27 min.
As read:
12 h 03 min
